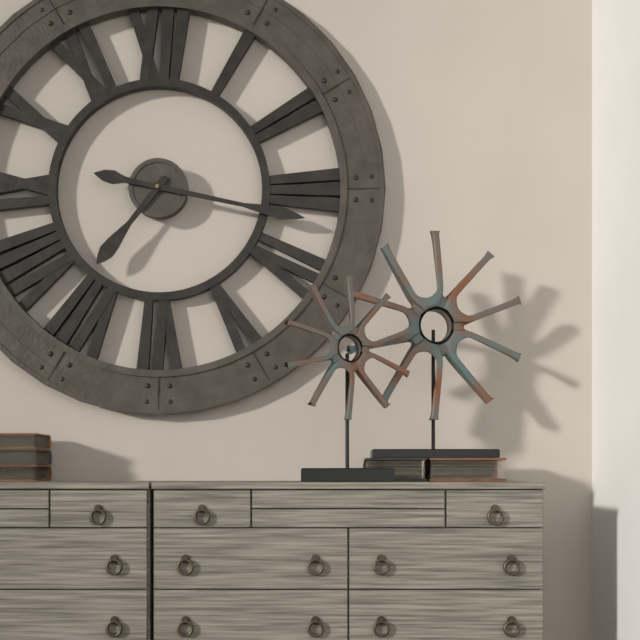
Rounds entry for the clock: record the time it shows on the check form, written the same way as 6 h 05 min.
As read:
7 h 17 min
